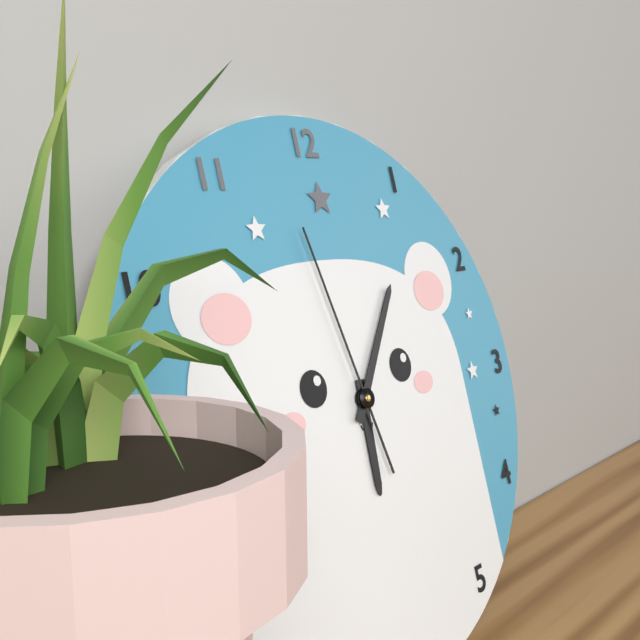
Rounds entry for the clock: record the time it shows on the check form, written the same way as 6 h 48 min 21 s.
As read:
6 h 06 min 58 s
